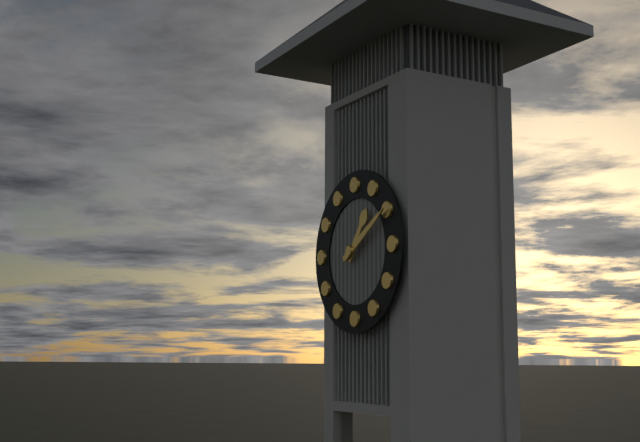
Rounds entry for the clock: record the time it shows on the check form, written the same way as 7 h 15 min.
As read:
1 h 10 min
